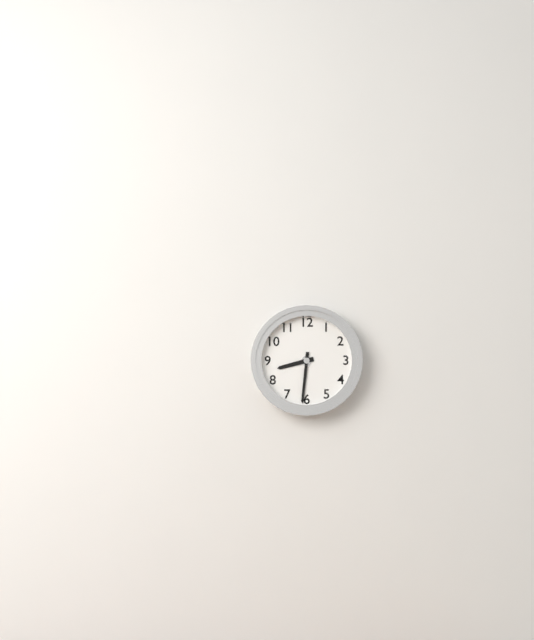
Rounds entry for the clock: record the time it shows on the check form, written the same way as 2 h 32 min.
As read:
8 h 31 min
